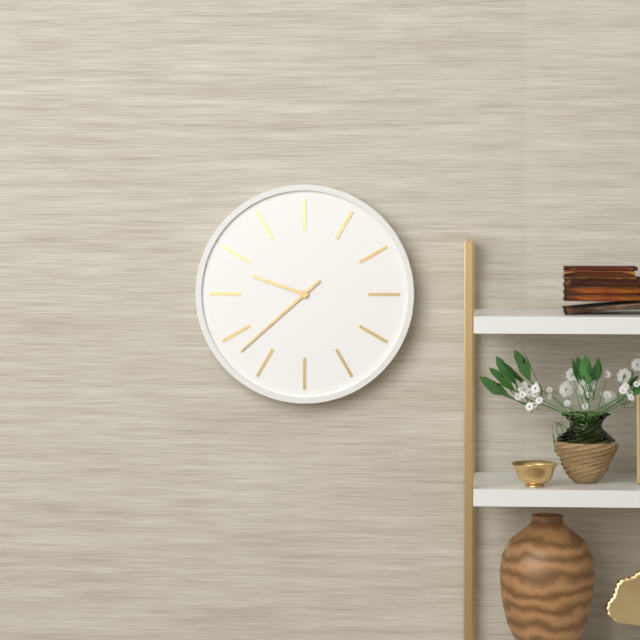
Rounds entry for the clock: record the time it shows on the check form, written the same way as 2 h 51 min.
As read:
9 h 38 min
